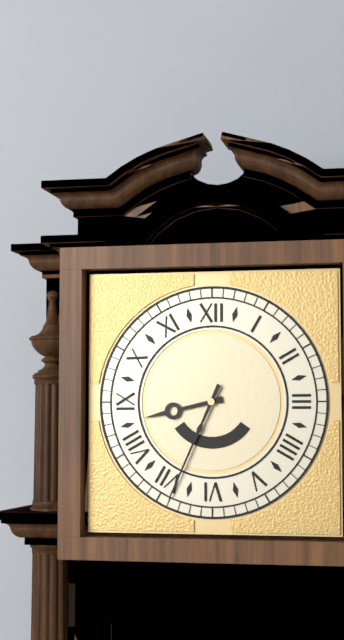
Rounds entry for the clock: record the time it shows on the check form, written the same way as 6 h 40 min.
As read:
8 h 34 min
